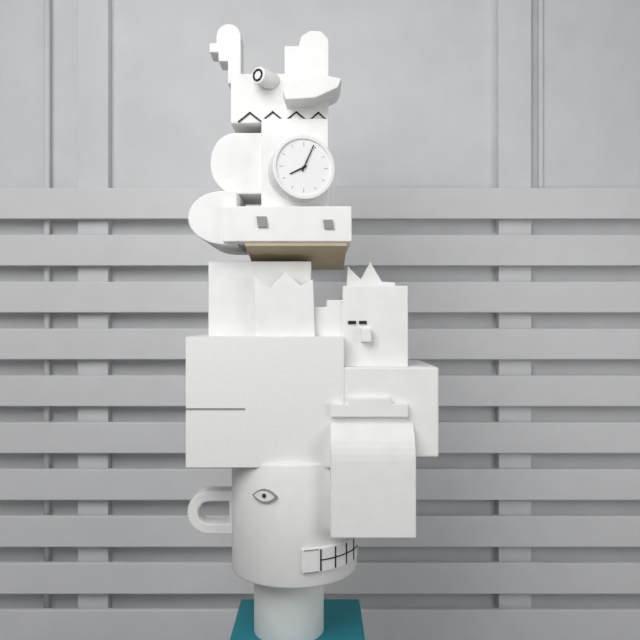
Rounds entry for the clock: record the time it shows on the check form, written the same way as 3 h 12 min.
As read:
8 h 04 min
